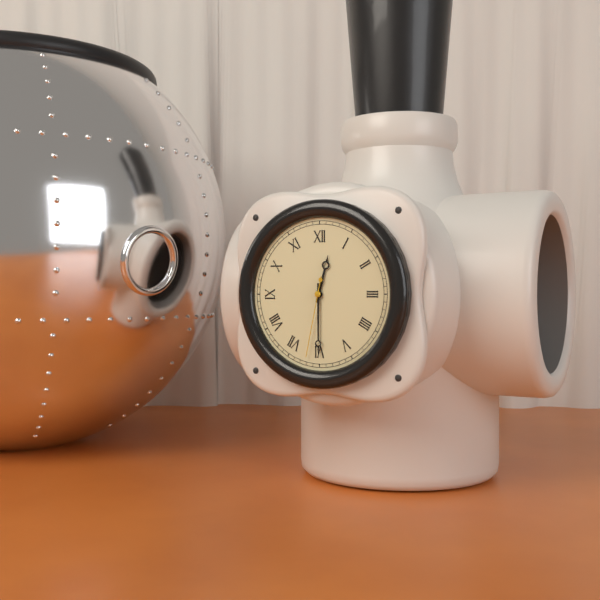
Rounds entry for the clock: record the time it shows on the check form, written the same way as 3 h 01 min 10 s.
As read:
12 h 30 min 32 s
